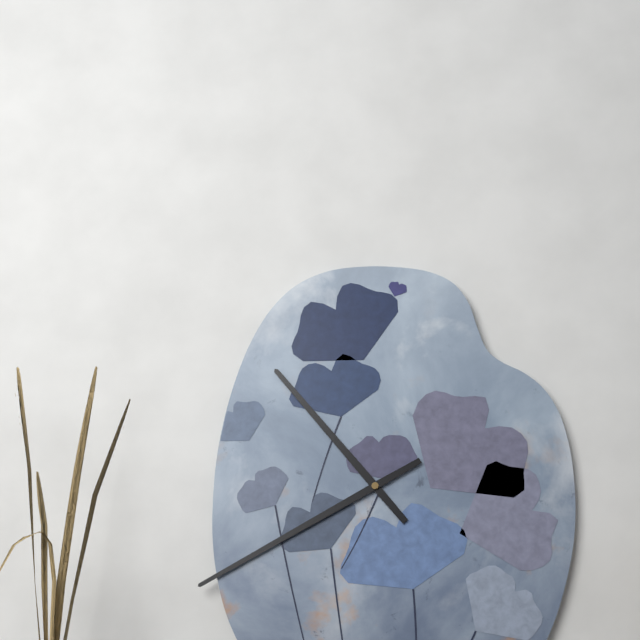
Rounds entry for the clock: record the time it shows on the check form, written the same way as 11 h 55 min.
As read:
10 h 40 min
